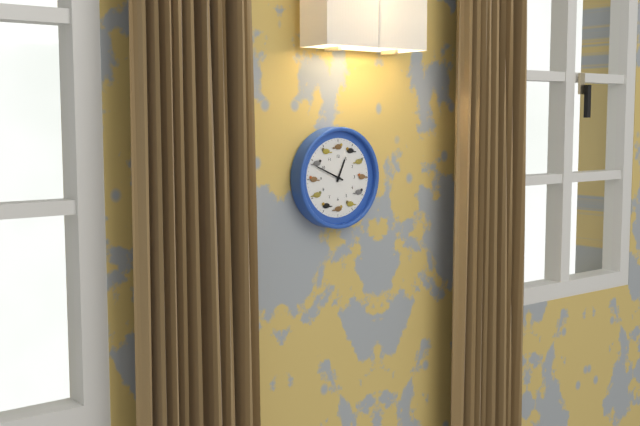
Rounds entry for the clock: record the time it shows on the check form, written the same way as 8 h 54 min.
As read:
12 h 49 min
